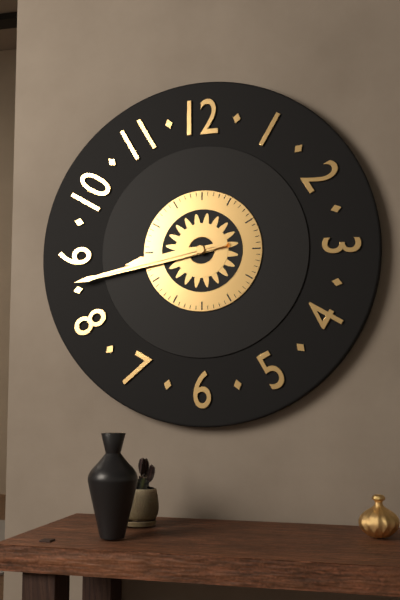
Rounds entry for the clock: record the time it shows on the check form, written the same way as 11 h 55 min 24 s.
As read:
8 h 43 min 43 s
